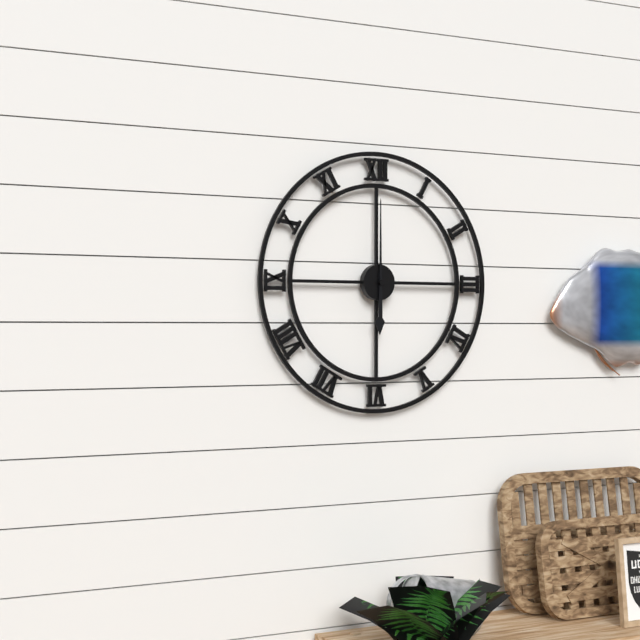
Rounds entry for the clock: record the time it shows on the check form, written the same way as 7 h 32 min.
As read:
6 h 00 min
